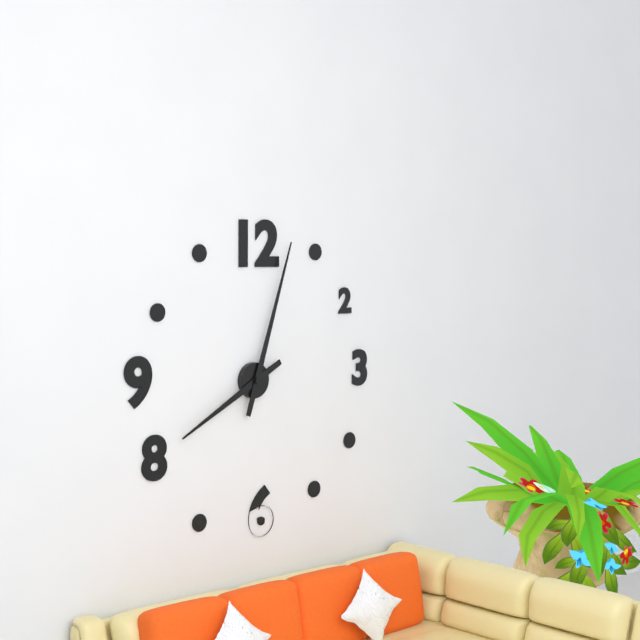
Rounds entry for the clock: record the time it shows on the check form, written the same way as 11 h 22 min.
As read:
8 h 03 min
